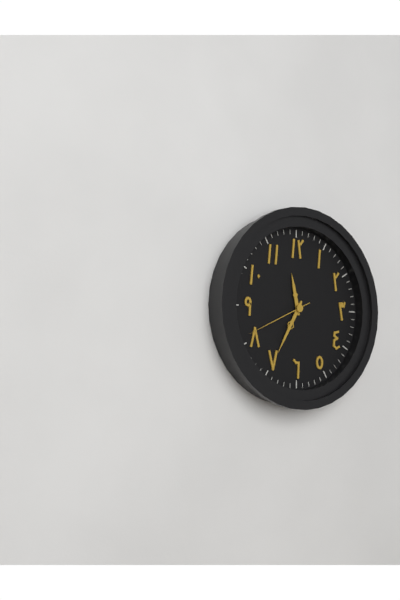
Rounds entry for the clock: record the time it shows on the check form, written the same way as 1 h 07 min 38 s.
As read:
11 h 35 min 41 s
